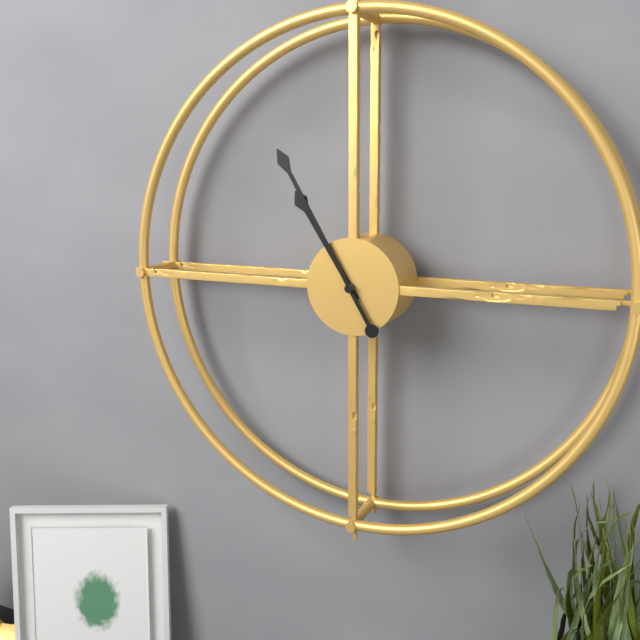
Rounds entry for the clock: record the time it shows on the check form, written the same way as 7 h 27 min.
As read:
10 h 55 min
